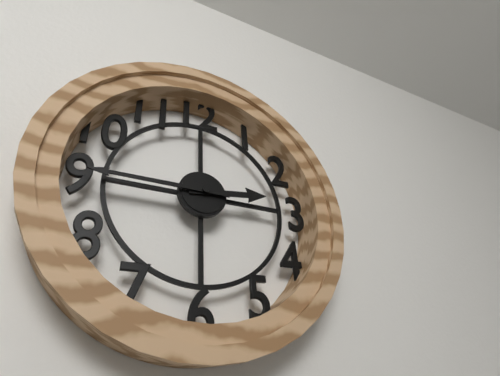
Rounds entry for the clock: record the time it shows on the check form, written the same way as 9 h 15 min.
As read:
2 h 45 min
